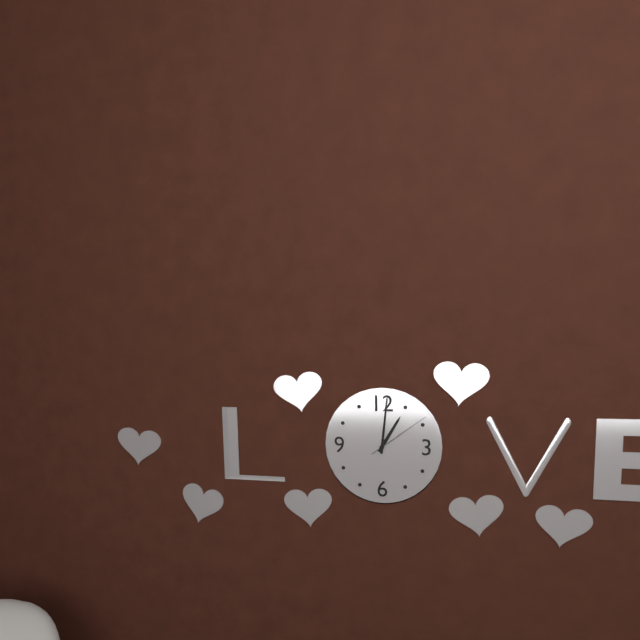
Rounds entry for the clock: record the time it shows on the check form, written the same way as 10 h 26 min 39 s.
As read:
1 h 01 min 09 s
